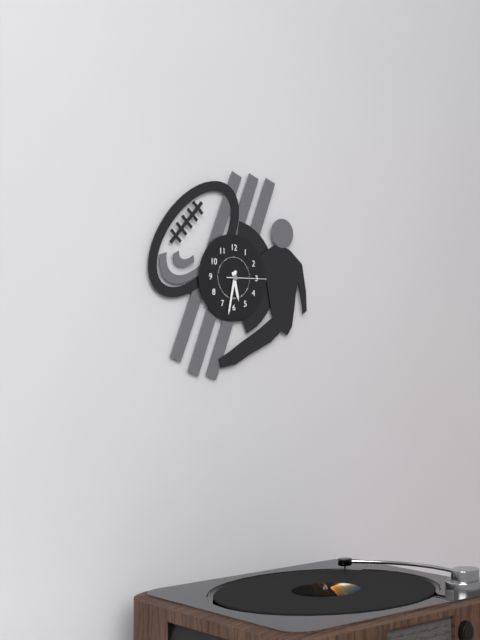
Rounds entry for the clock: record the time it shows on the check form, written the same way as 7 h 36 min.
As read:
5 h 32 min
